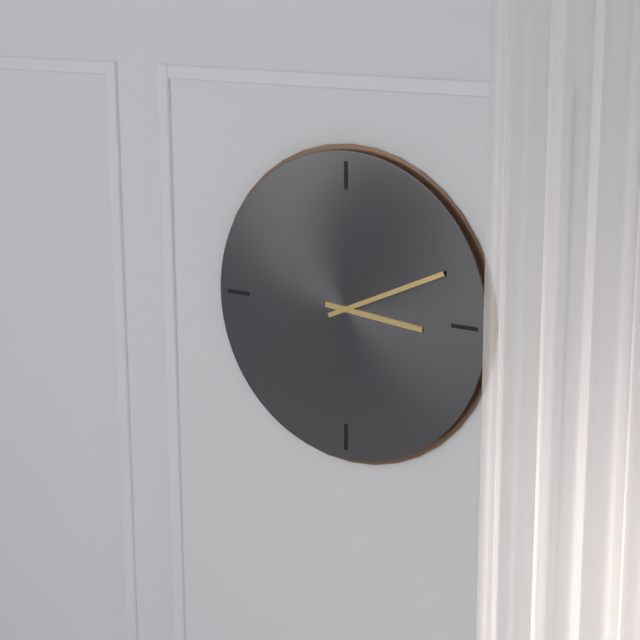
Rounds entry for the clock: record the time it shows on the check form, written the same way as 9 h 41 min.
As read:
3 h 11 min
